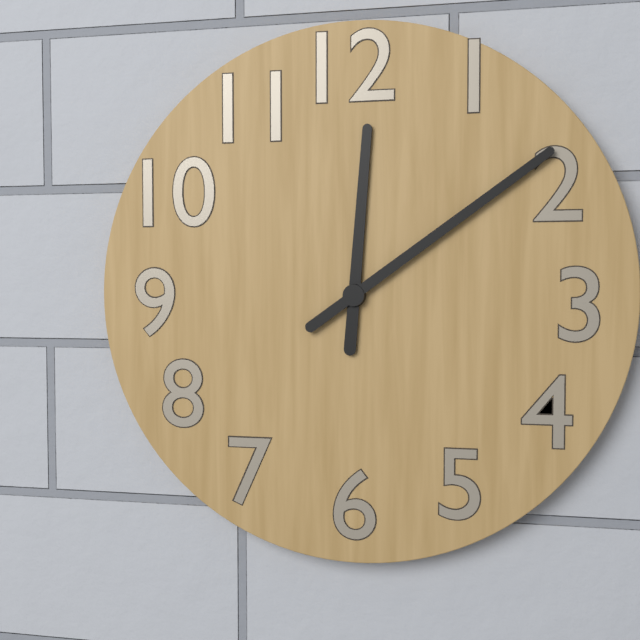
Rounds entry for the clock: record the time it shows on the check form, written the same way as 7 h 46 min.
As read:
12 h 09 min
